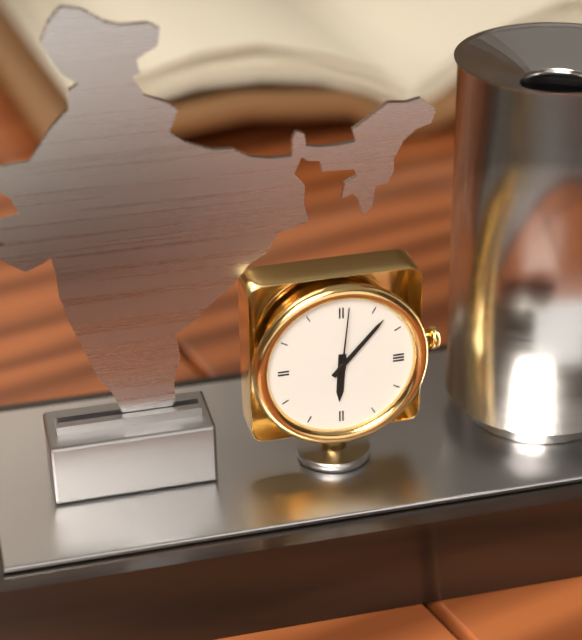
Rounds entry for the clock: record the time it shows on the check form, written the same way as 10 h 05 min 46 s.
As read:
6 h 07 min 01 s
